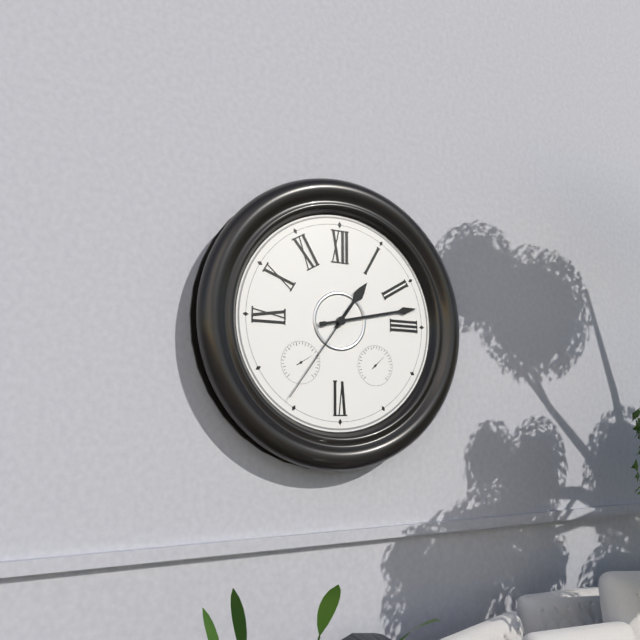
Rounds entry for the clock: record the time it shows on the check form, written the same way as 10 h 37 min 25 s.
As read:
1 h 13 min 36 s
